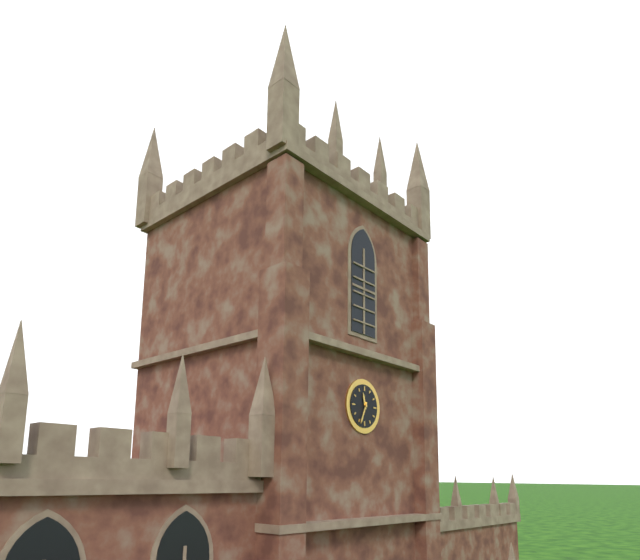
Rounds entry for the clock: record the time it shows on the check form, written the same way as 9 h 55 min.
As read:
11 h 34 min
